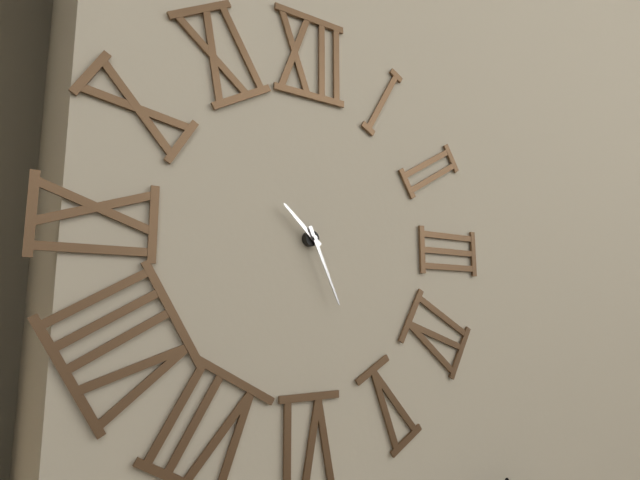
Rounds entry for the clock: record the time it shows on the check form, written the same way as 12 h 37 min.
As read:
10 h 26 min
